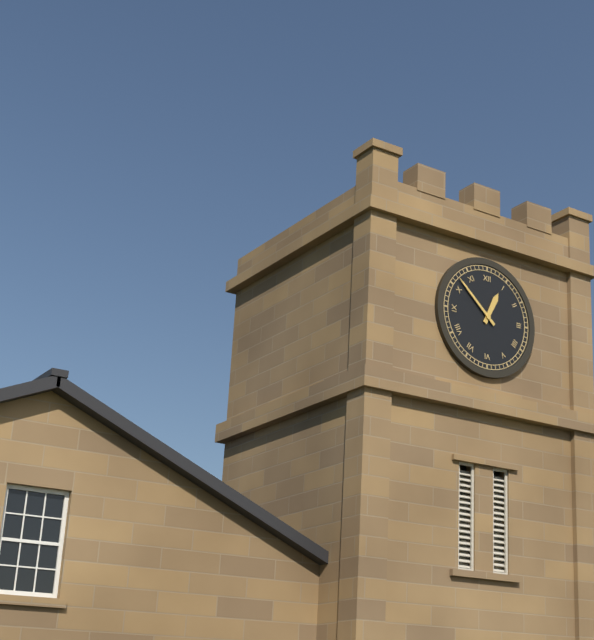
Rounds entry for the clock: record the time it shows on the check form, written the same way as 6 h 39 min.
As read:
12 h 52 min
